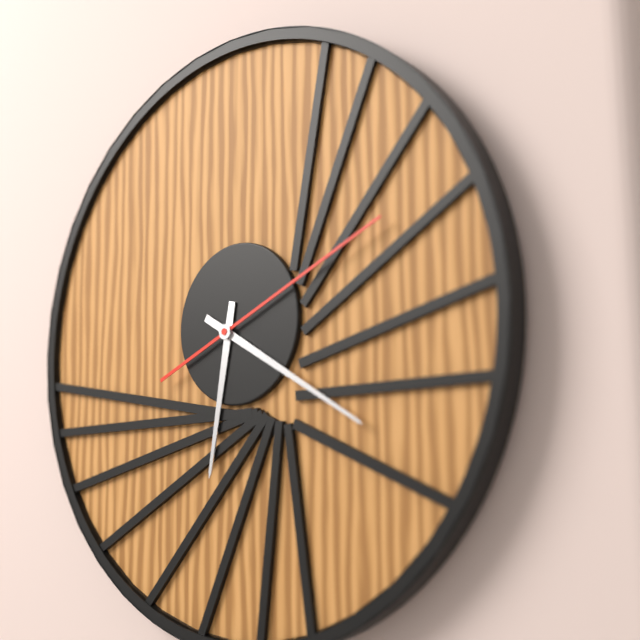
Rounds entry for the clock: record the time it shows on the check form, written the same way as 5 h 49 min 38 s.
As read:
6 h 20 min 11 s
